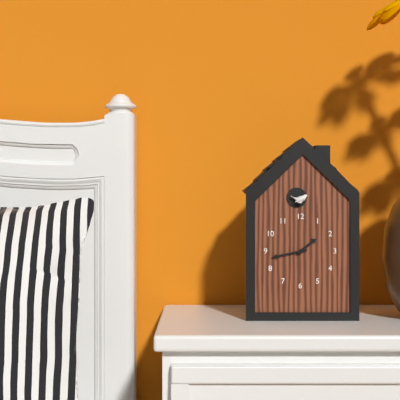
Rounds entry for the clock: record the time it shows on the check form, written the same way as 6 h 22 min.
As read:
1 h 43 min
